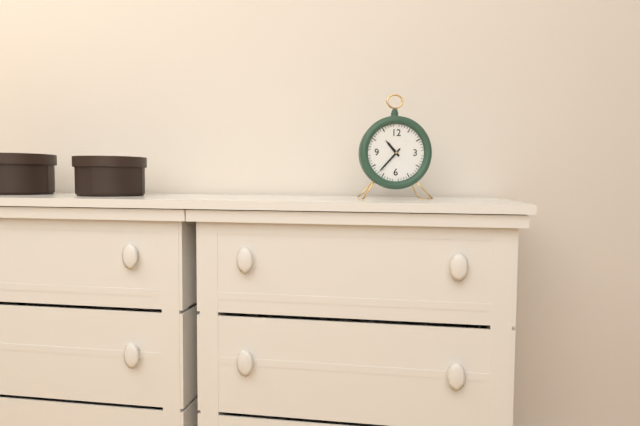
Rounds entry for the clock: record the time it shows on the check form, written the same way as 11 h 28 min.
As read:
10 h 37 min
